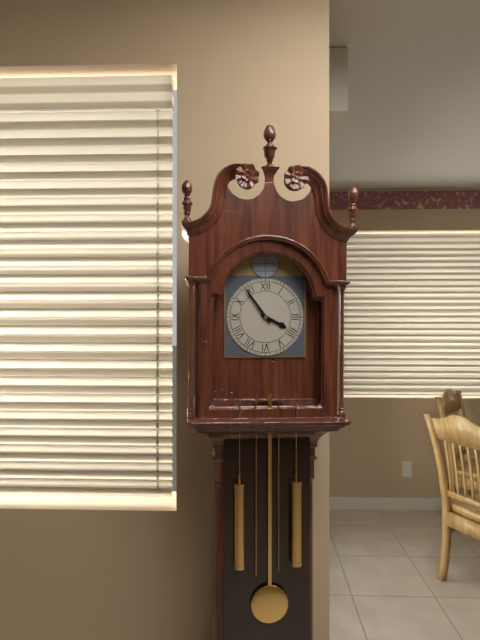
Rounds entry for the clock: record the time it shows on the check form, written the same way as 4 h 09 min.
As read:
3 h 54 min
